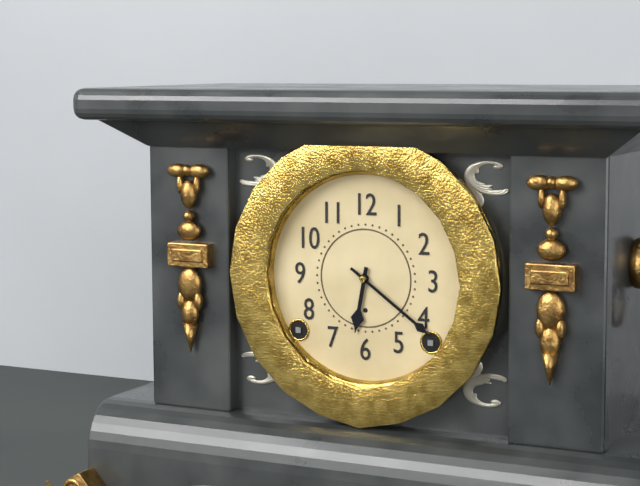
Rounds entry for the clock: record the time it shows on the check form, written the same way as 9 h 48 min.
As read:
6 h 21 min
